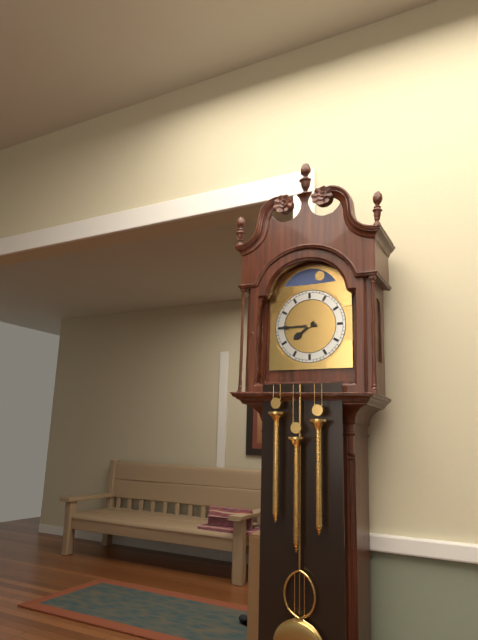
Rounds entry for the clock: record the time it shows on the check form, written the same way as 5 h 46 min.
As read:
7 h 45 min
